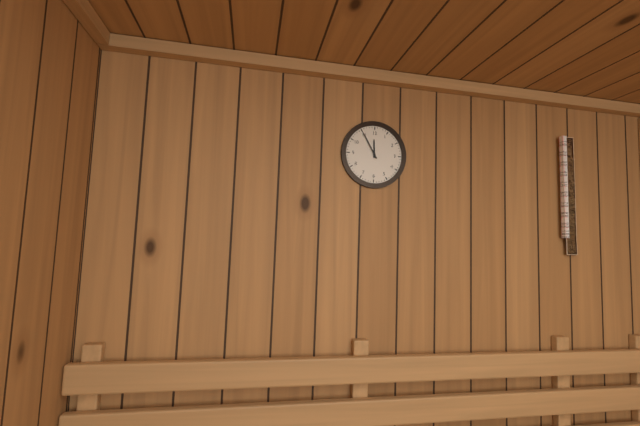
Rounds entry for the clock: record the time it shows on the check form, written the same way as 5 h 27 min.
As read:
11 h 55 min
